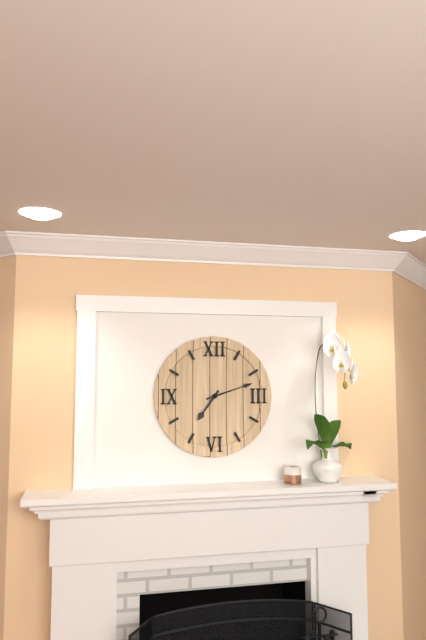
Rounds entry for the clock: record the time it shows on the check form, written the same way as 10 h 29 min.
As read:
7 h 12 min
